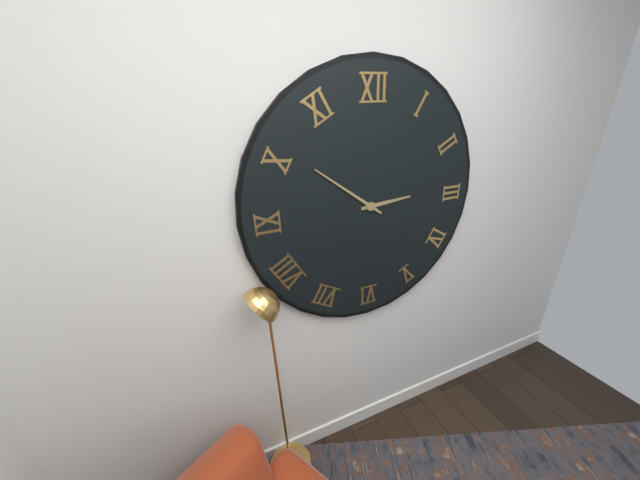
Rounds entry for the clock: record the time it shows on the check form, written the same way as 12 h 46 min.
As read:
2 h 51 min
